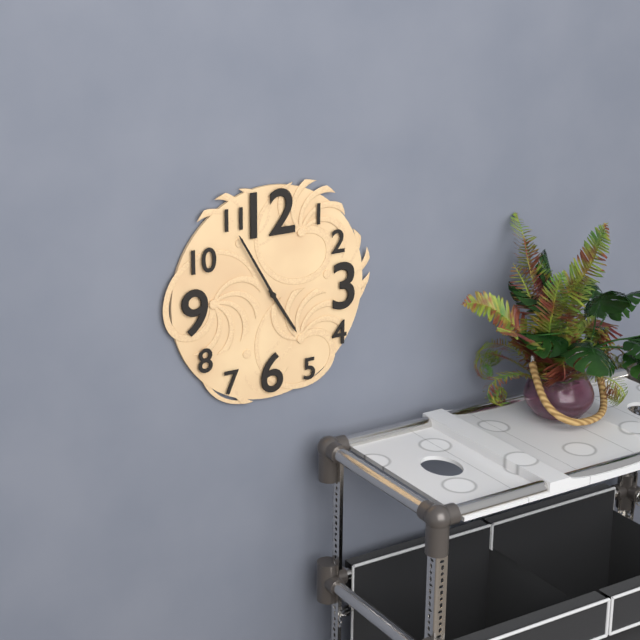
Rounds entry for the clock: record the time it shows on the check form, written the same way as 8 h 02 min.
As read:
4 h 55 min
